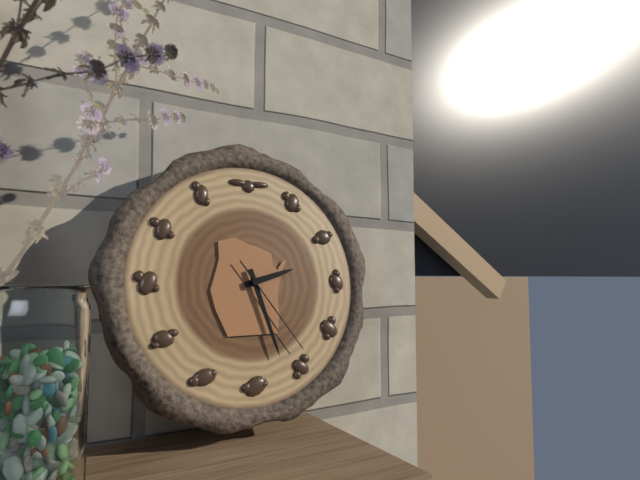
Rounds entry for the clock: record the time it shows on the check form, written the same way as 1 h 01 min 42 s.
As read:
2 h 27 min 24 s
